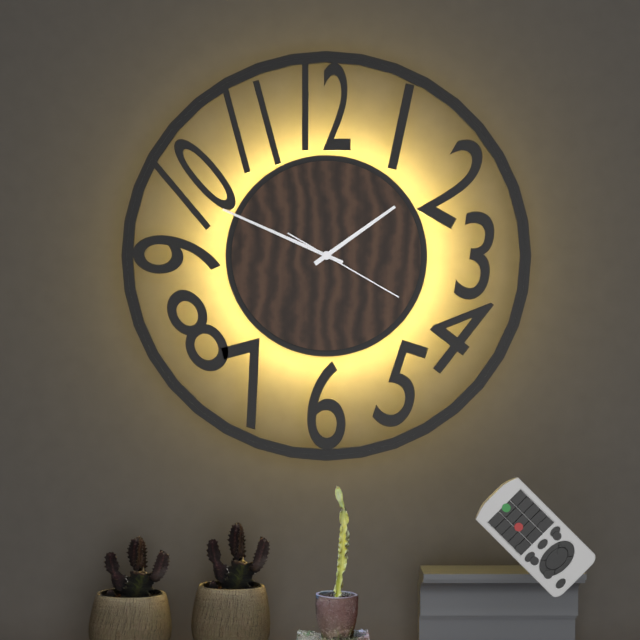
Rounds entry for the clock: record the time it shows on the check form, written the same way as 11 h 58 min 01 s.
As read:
1 h 49 min 20 s
